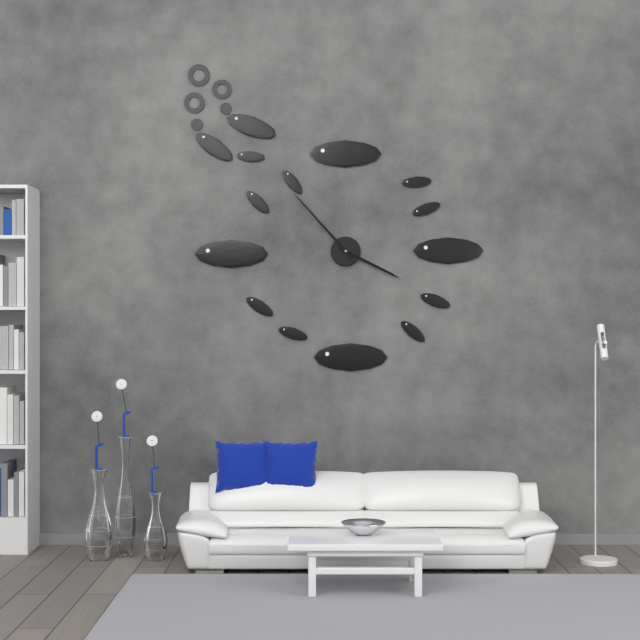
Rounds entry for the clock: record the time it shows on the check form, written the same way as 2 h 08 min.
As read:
3 h 53 min
